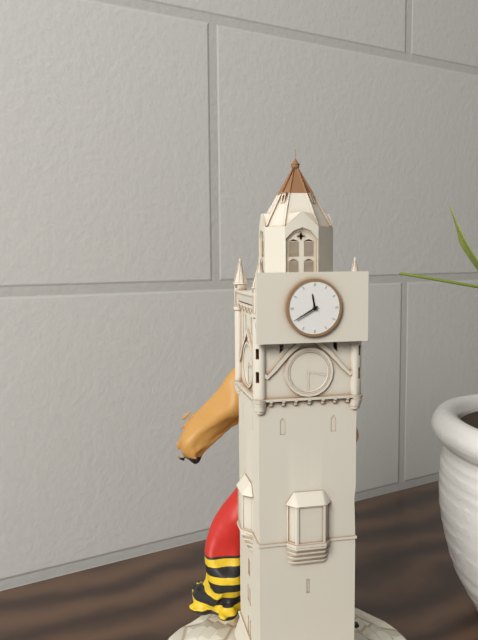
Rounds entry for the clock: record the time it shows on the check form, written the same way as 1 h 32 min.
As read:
11 h 40 min
